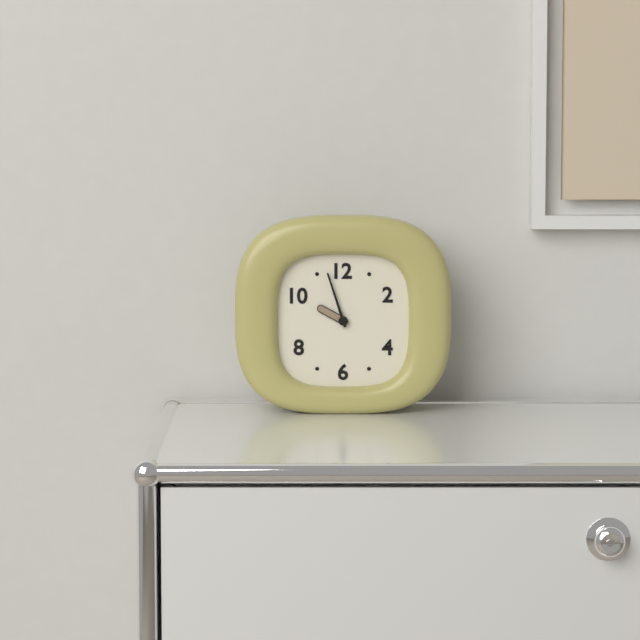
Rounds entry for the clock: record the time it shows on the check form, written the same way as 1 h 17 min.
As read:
9 h 57 min
